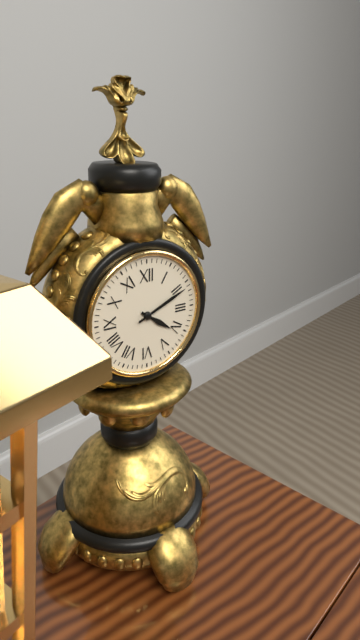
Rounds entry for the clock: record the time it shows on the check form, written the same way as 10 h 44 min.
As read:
4 h 11 min
